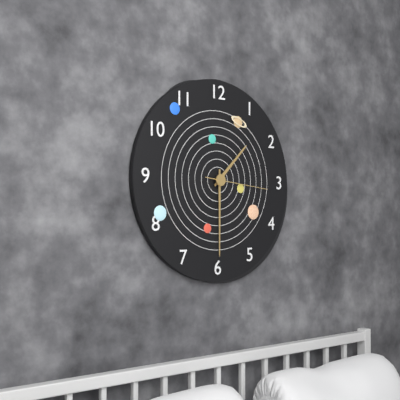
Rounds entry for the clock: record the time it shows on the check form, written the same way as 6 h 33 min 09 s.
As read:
1 h 30 min 16 s
